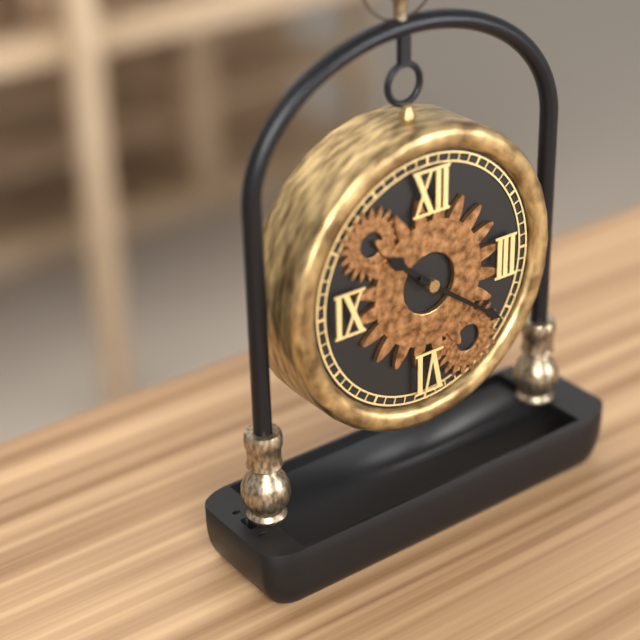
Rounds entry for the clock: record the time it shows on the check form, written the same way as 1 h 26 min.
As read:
10 h 21 min
